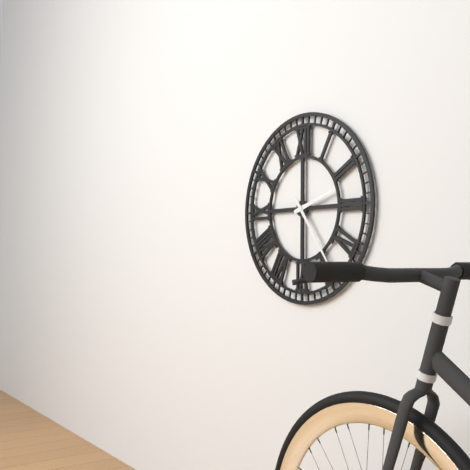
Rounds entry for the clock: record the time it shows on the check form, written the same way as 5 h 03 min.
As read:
2 h 24 min
